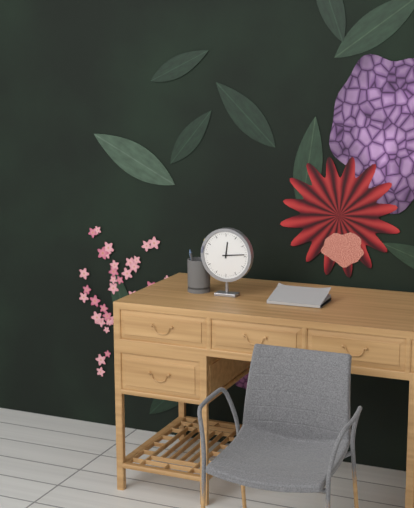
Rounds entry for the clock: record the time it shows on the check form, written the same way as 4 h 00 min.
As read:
12 h 14 min
